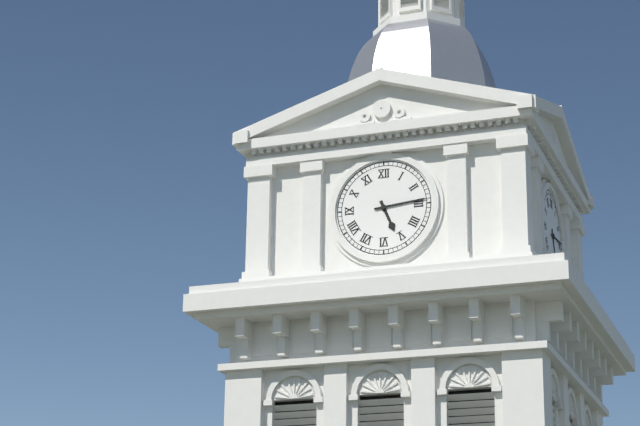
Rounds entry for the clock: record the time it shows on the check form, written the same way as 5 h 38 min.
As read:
5 h 14 min
